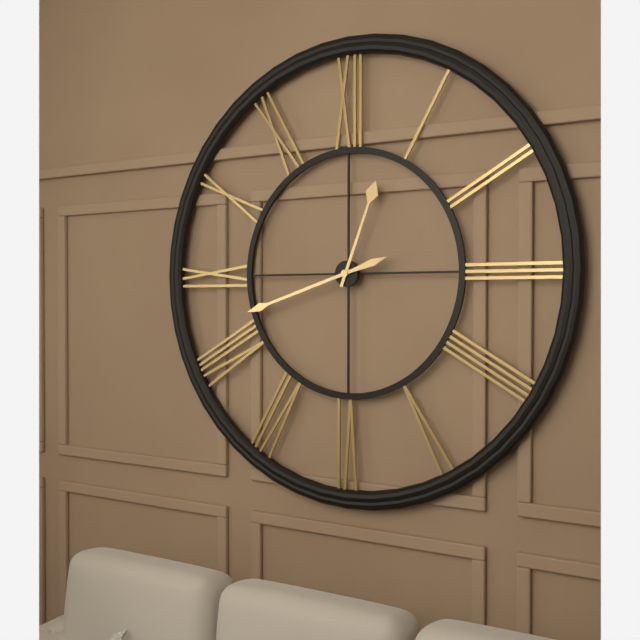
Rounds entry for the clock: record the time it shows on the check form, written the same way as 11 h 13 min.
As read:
12 h 42 min
